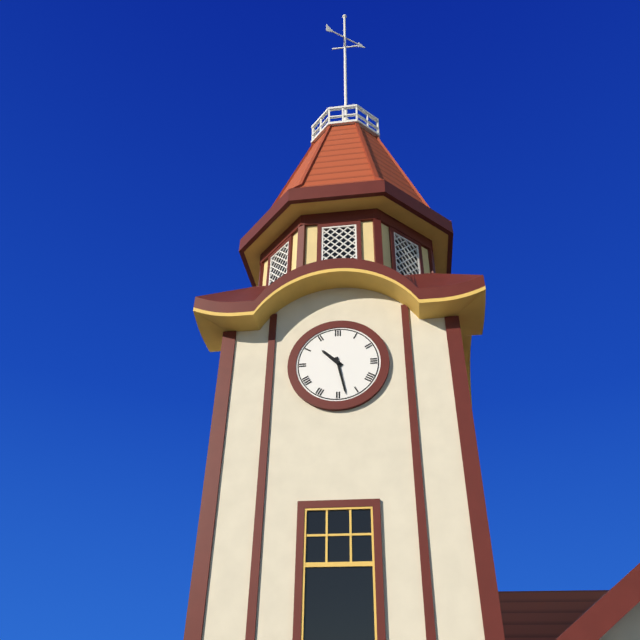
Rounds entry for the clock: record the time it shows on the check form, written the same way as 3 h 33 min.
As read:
10 h 28 min
